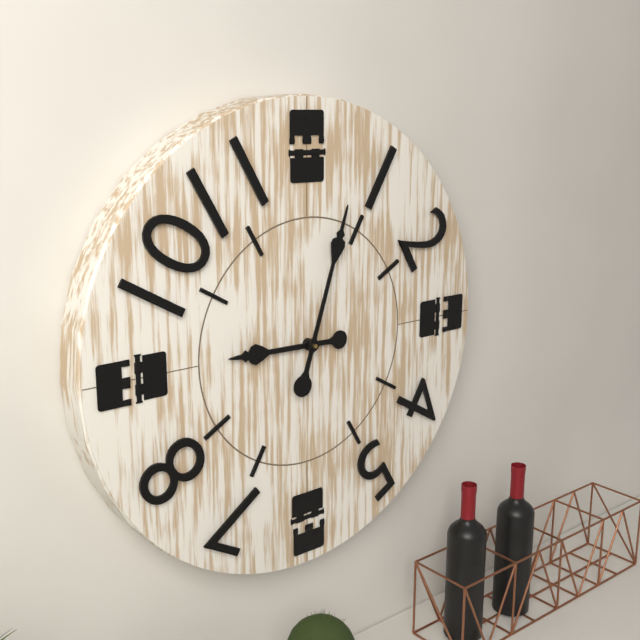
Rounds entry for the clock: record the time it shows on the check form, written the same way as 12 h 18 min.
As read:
9 h 03 min
